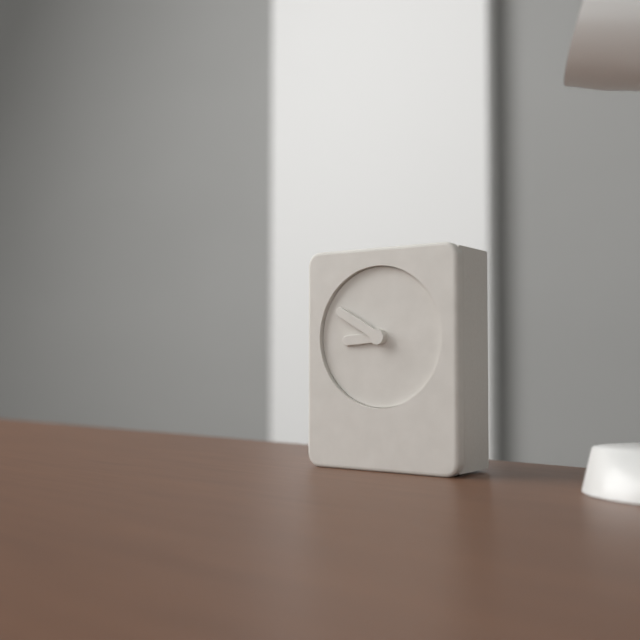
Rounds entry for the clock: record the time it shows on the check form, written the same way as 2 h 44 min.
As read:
8 h 50 min
